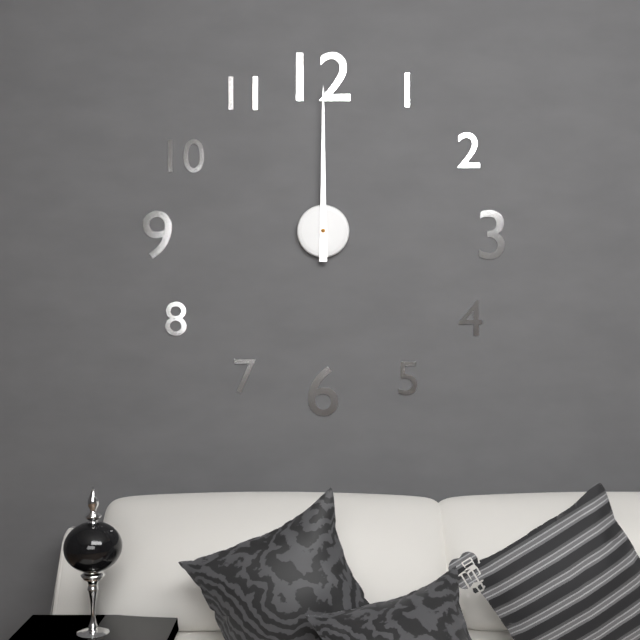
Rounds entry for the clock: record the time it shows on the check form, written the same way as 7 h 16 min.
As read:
12 h 00 min
